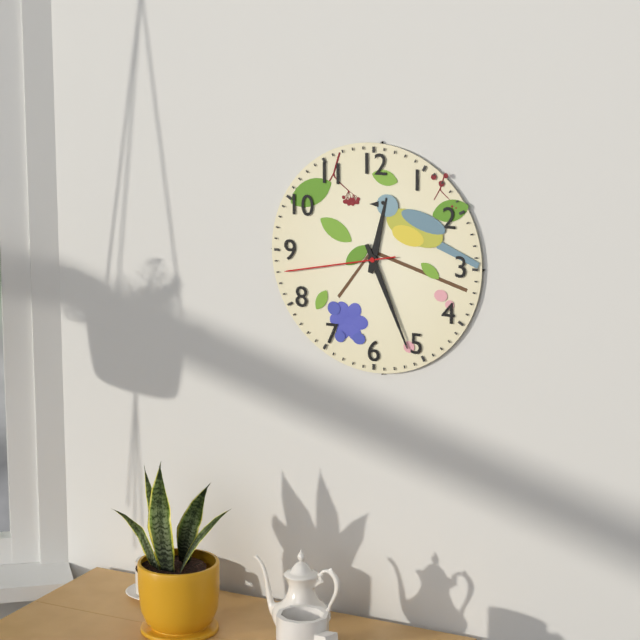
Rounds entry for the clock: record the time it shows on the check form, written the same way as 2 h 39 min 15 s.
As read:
12 h 26 min 43 s
